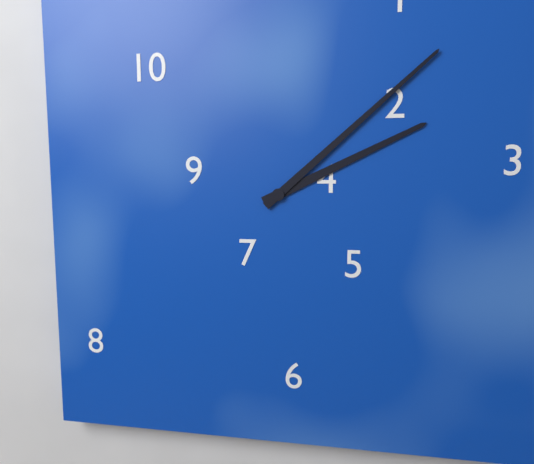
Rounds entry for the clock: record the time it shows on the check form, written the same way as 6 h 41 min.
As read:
2 h 08 min
